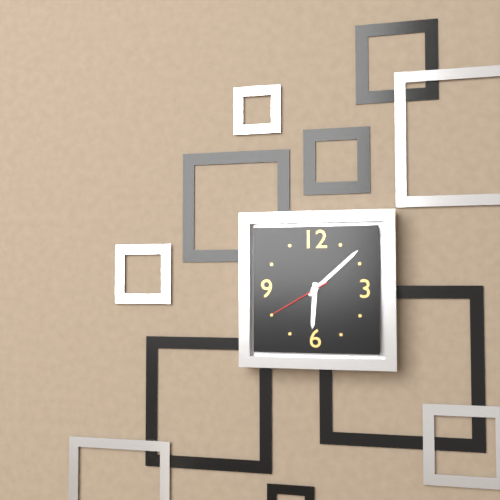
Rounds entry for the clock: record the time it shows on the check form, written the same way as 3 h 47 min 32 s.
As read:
6 h 08 min 40 s
